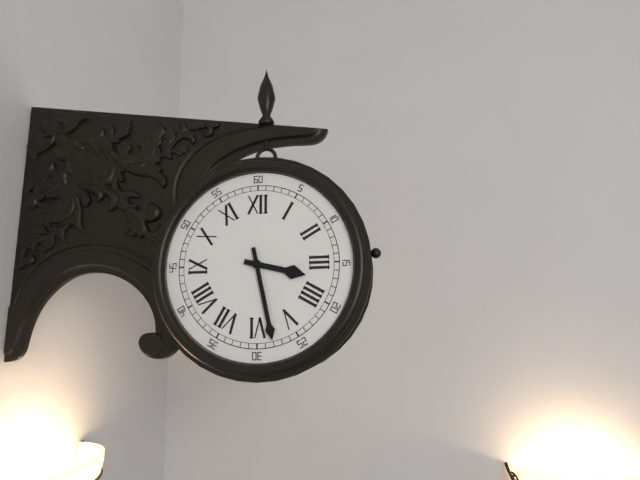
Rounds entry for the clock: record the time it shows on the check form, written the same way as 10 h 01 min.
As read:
3 h 28 min
